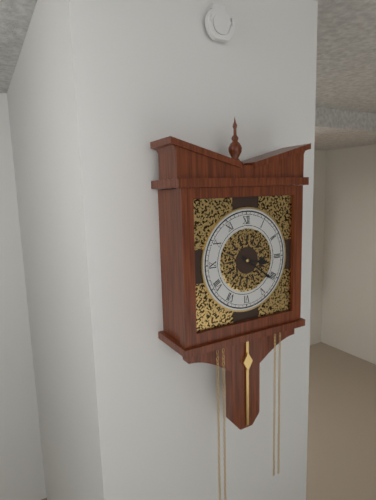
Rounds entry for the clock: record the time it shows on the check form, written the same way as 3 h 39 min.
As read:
3 h 21 min
